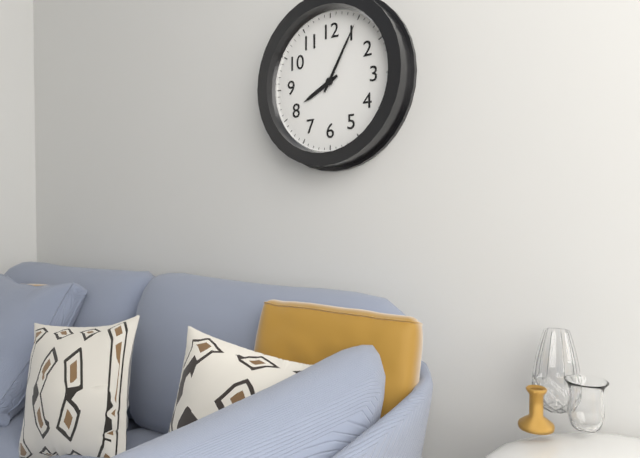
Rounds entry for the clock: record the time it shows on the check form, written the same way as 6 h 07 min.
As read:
8 h 05 min
